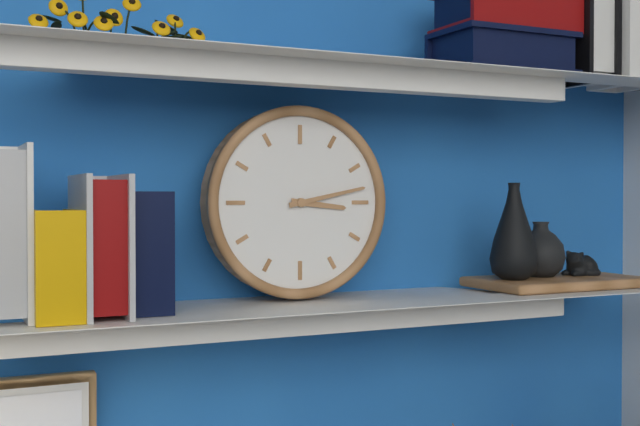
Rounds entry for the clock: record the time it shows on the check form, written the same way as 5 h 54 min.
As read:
3 h 13 min
